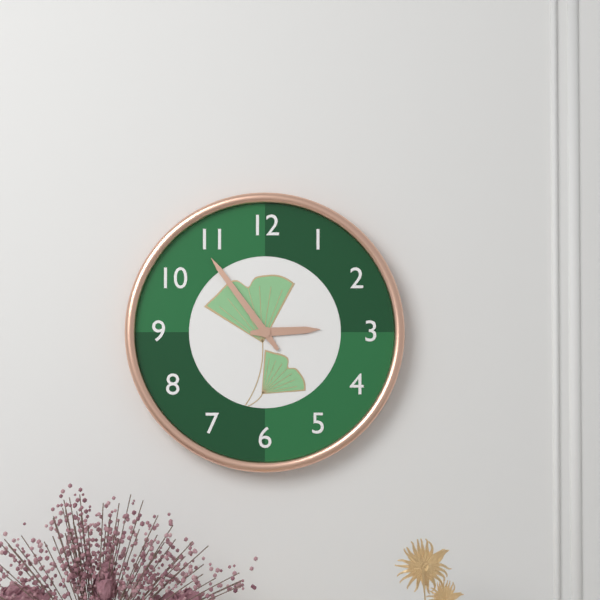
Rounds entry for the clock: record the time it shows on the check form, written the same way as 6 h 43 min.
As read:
2 h 54 min
